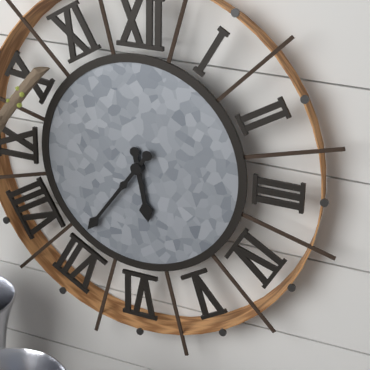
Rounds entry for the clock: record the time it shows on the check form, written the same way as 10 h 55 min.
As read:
5 h 36 min
